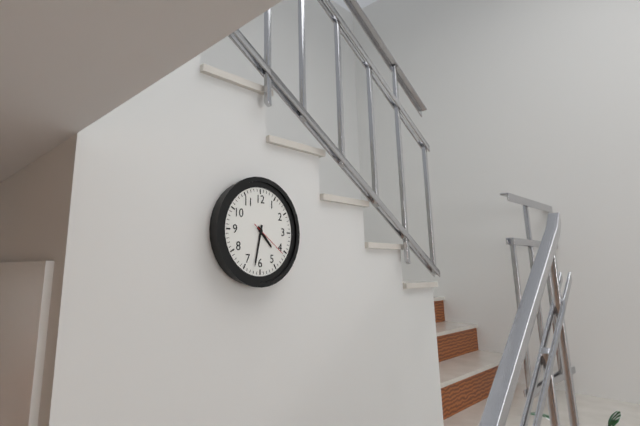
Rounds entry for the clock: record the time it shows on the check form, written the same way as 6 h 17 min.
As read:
4 h 32 min
